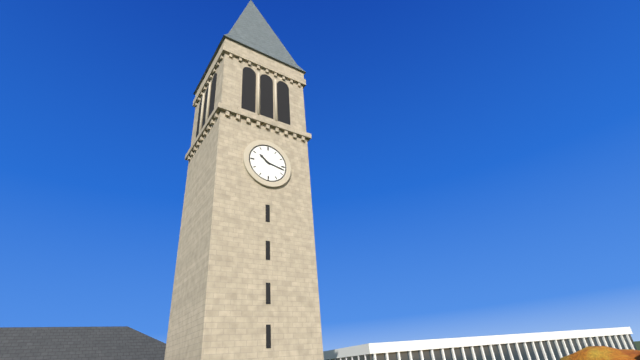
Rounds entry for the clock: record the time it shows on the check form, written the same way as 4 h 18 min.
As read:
10 h 17 min
